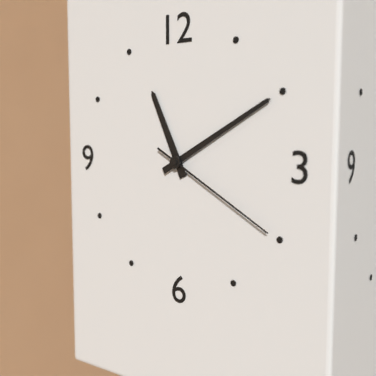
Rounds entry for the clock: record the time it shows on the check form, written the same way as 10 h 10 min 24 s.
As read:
11 h 10 min 20 s
